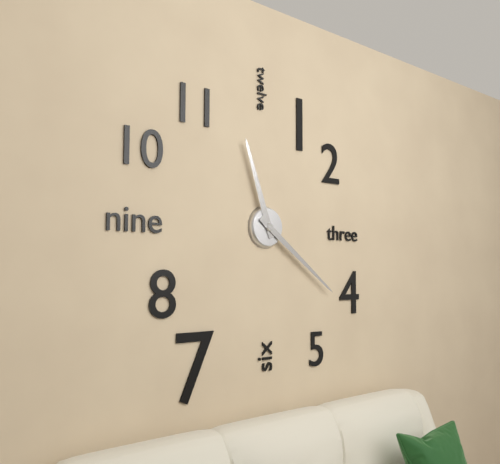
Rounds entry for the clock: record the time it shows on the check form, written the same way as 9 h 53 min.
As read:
11 h 21 min
